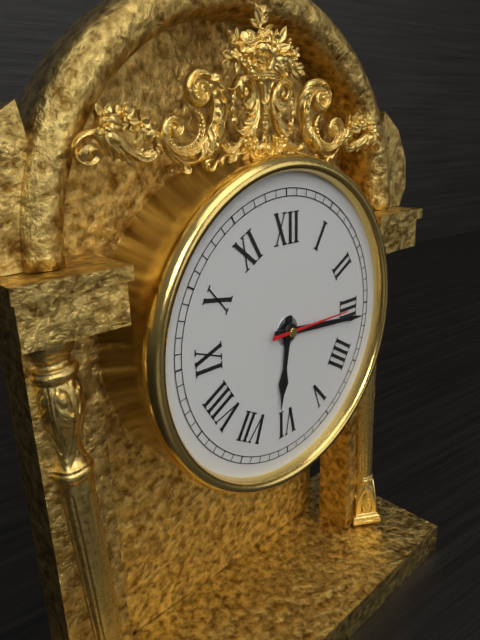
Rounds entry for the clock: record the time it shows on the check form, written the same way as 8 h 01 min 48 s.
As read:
6 h 16 min 15 s
